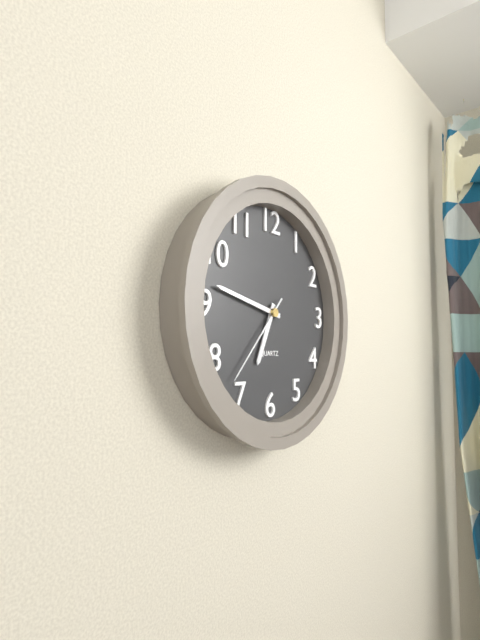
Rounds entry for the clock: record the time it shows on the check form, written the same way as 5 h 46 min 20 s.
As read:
6 h 47 min 37 s
